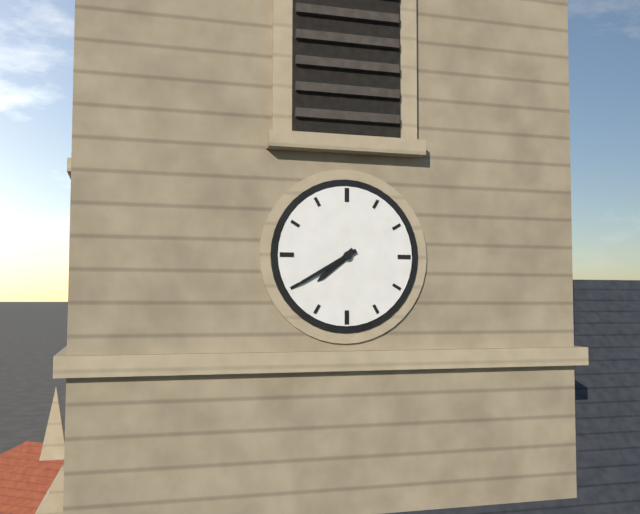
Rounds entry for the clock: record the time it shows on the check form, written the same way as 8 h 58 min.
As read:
7 h 40 min
